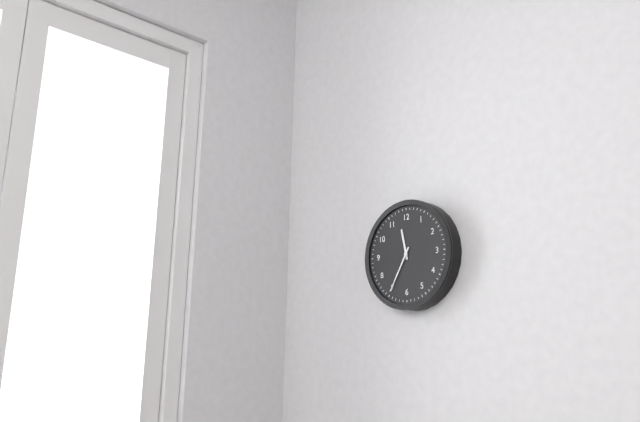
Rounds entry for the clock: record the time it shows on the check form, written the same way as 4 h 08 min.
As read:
11 h 35 min
